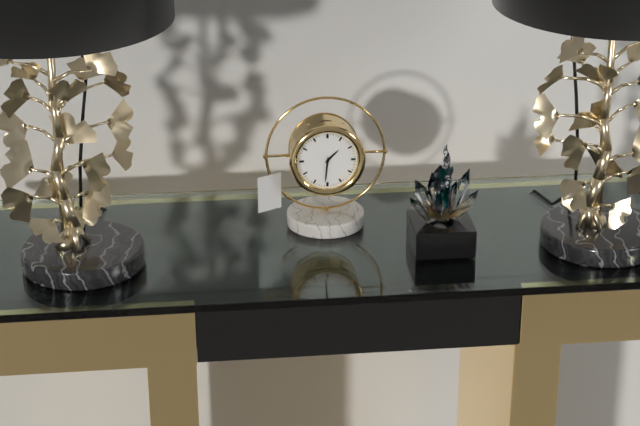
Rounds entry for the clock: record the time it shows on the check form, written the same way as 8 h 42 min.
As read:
1 h 31 min
